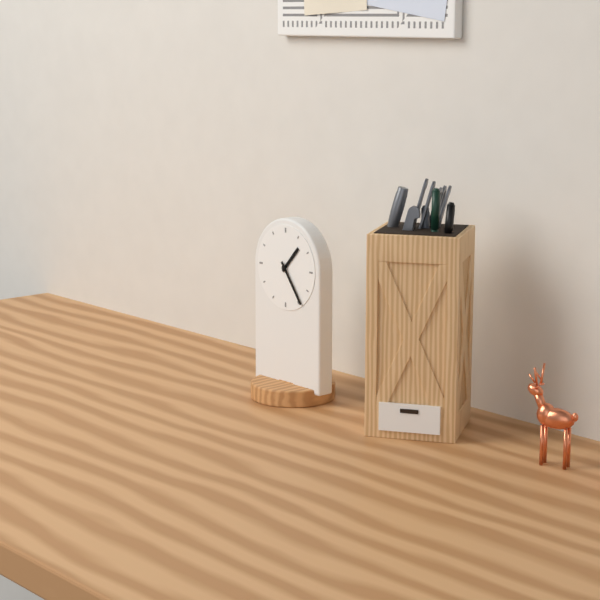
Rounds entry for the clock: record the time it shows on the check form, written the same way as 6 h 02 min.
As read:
1 h 24 min
